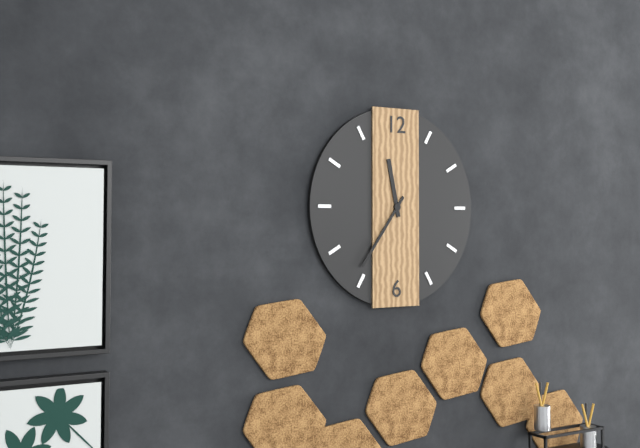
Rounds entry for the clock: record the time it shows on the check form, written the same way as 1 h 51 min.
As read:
11 h 36 min
